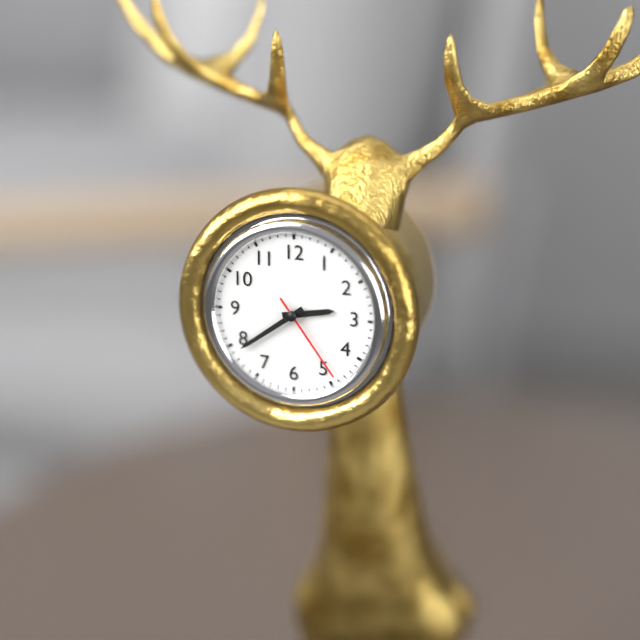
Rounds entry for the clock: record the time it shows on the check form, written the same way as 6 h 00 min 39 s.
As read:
2 h 39 min 24 s
